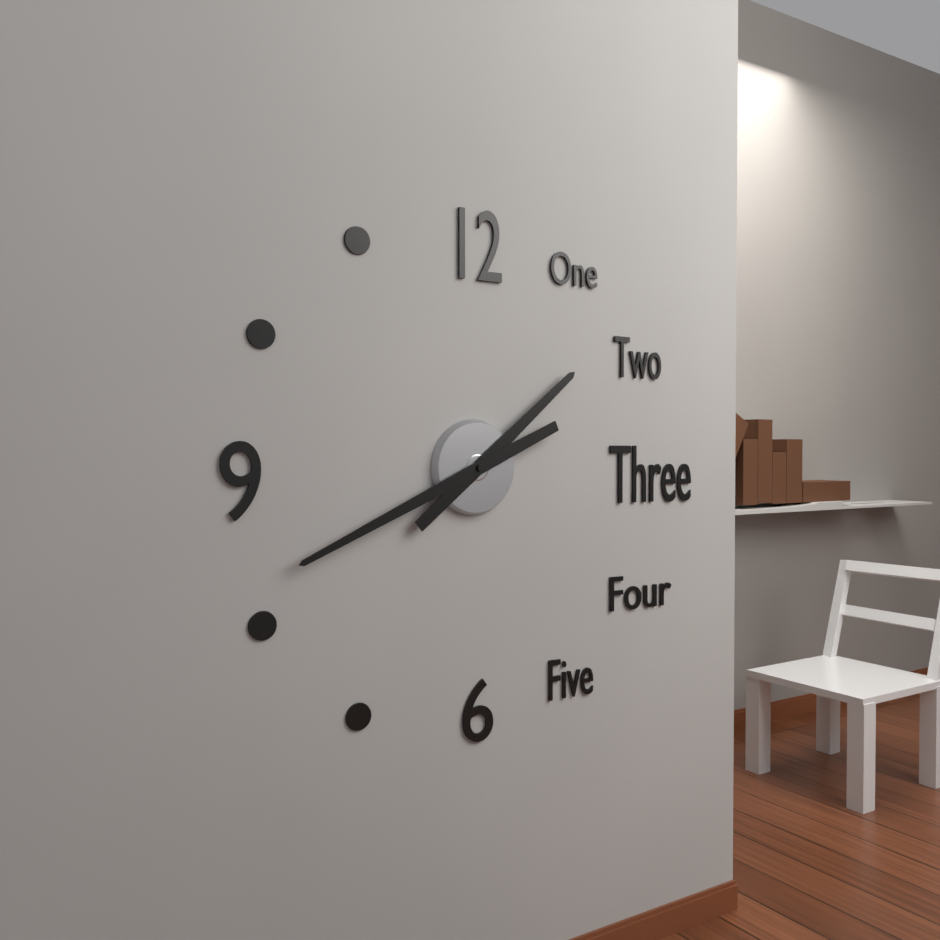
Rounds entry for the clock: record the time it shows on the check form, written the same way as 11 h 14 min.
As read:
1 h 41 min
